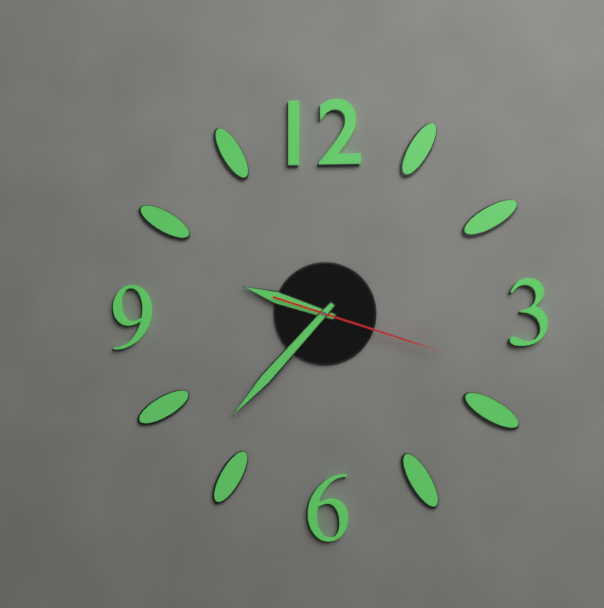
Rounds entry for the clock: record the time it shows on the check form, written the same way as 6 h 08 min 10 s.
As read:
9 h 37 min 18 s
